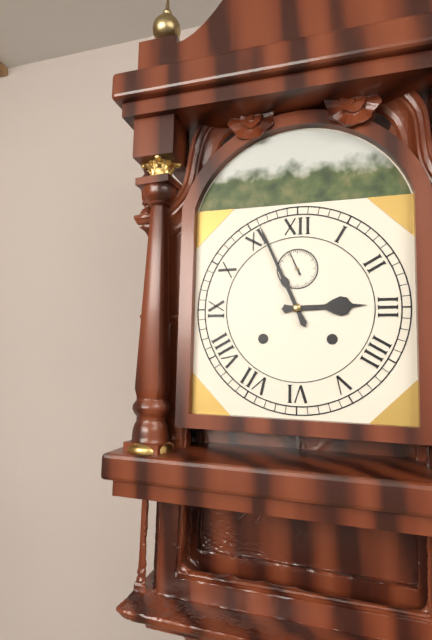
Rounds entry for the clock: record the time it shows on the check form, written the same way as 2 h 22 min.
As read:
2 h 56 min
